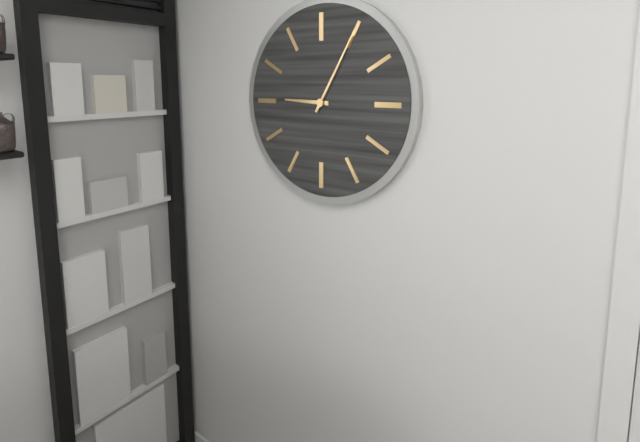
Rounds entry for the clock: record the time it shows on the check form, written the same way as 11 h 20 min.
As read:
9 h 05 min
